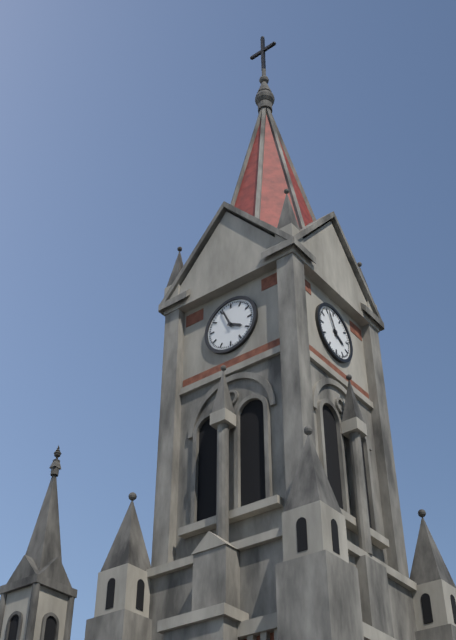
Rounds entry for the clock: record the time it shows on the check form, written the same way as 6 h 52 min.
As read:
3 h 56 min
